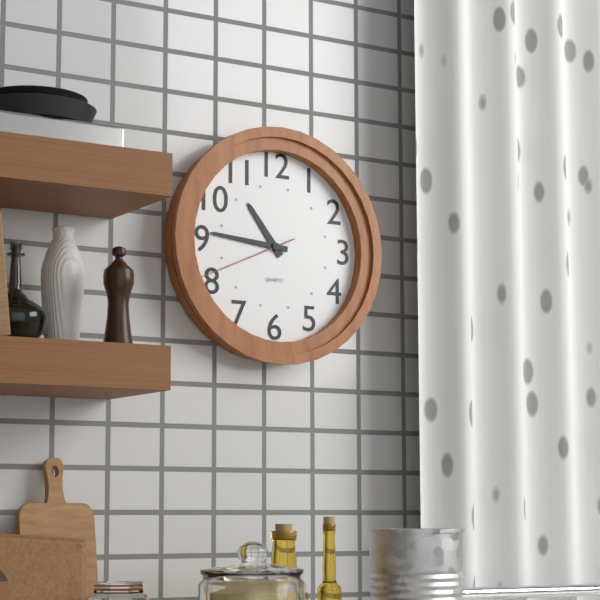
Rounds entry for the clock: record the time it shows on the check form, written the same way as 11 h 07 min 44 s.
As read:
10 h 46 min 41 s
